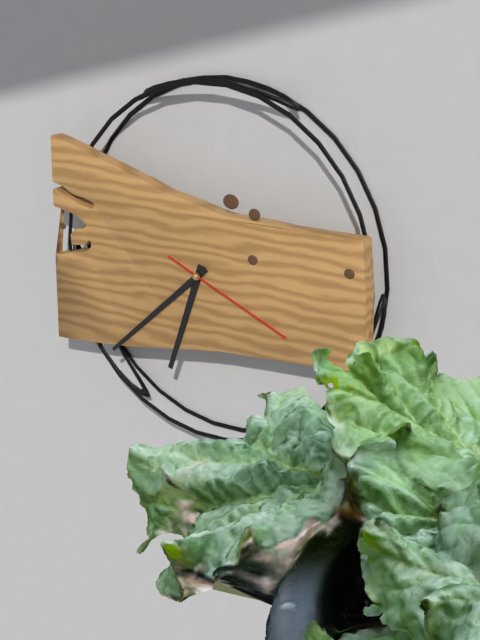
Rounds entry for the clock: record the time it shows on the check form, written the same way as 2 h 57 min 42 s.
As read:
6 h 38 min 19 s
